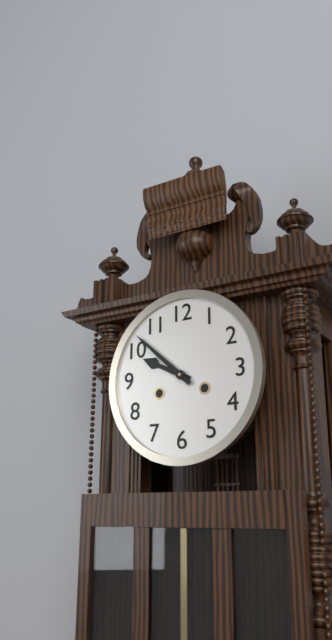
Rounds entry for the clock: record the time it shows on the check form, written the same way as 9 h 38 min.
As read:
9 h 52 min
